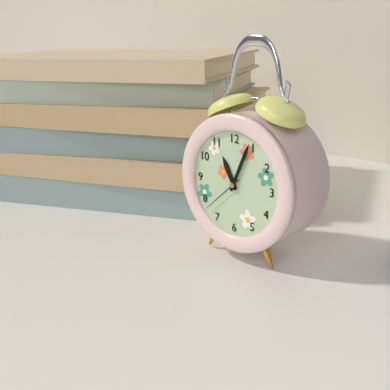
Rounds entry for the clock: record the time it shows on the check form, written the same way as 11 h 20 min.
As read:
11 h 04 min
